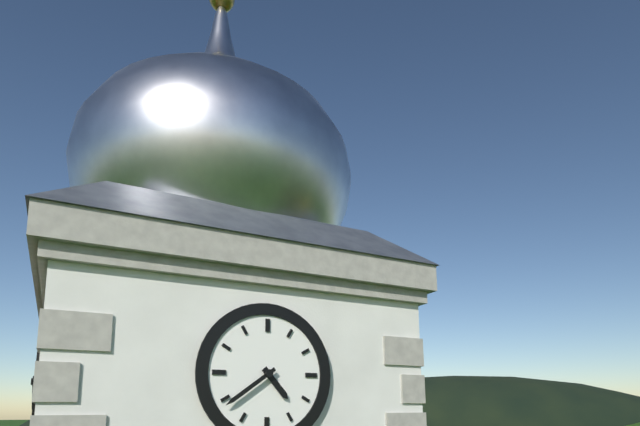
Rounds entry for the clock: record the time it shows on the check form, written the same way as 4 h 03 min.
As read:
4 h 39 min
